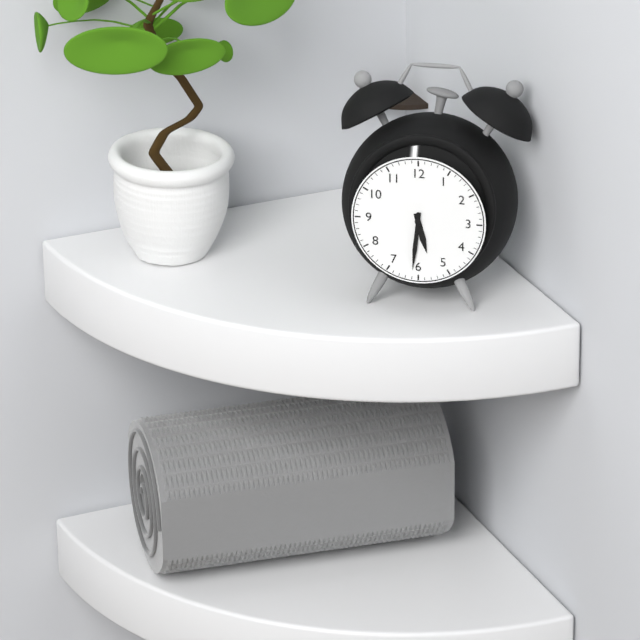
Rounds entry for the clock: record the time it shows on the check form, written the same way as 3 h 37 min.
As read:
5 h 31 min
